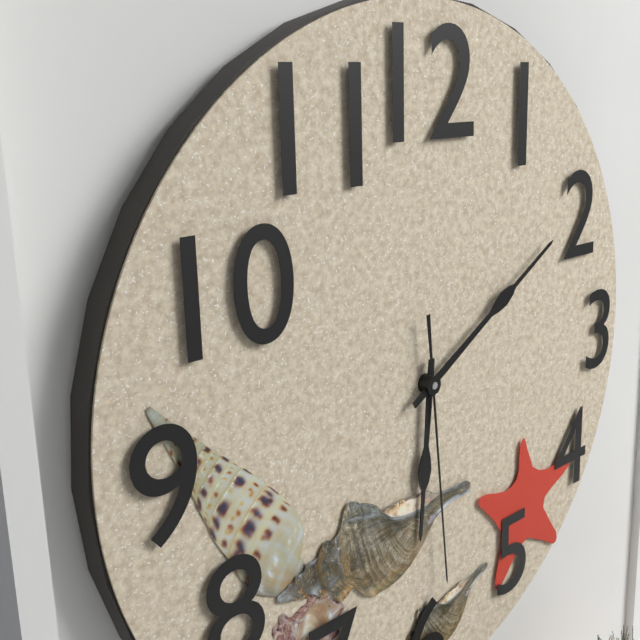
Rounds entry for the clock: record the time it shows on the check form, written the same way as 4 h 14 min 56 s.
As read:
6 h 10 min 29 s
